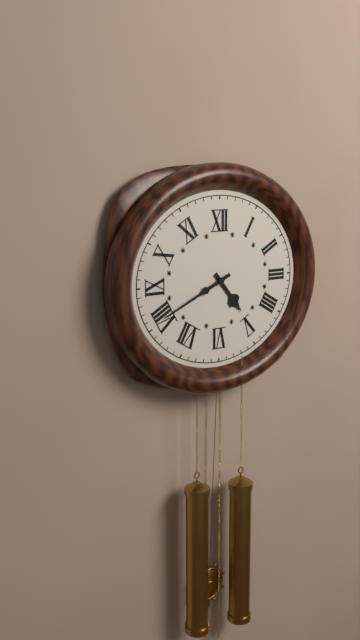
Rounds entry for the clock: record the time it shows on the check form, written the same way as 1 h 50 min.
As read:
4 h 41 min
